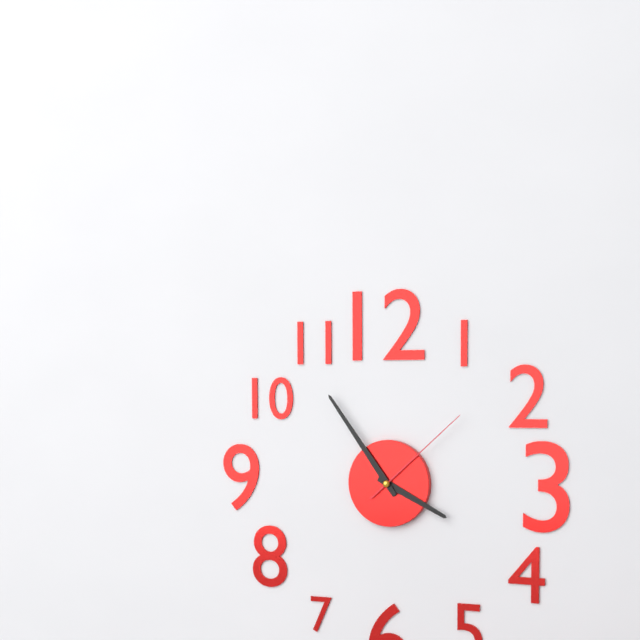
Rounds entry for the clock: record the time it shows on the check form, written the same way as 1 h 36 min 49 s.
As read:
3 h 54 min 08 s
